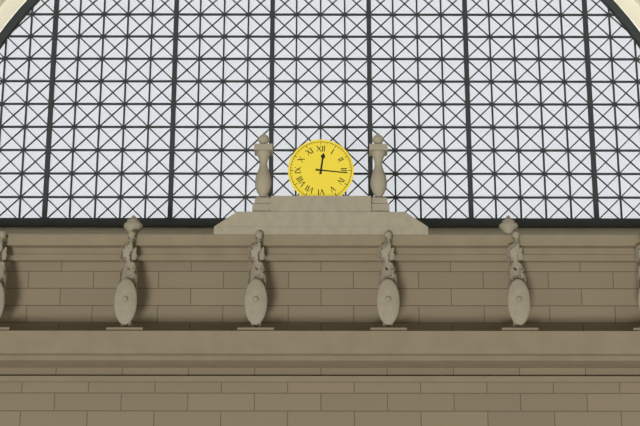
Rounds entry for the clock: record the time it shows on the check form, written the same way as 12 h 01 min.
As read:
12 h 16 min
